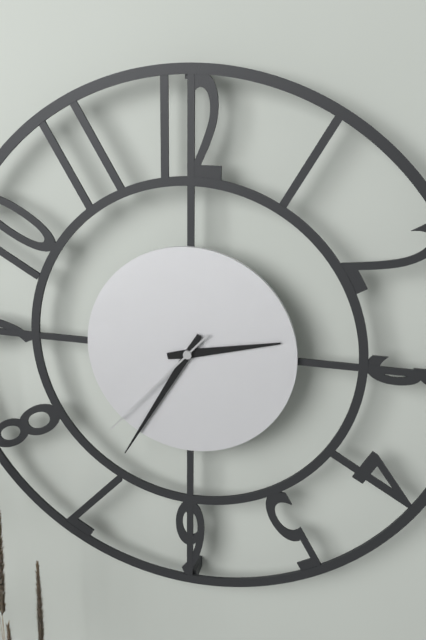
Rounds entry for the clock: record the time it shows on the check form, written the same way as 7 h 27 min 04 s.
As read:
2 h 35 min 37 s
